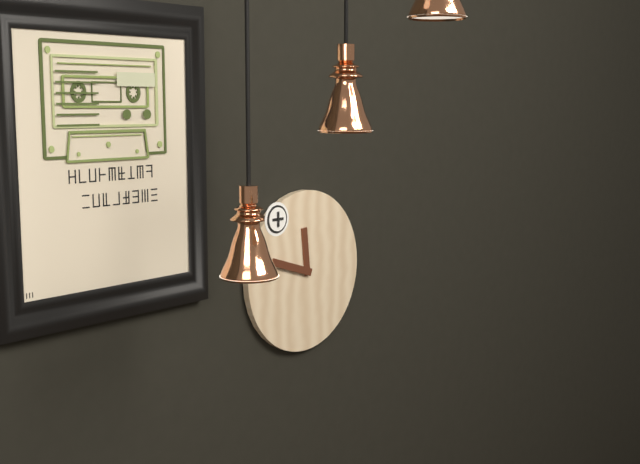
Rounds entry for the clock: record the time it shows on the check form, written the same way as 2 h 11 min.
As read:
11 h 48 min
